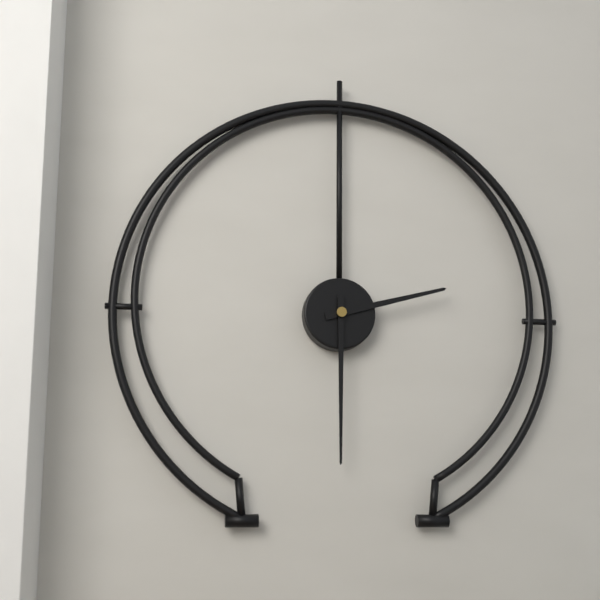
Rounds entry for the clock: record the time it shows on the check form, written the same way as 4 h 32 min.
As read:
2 h 30 min
